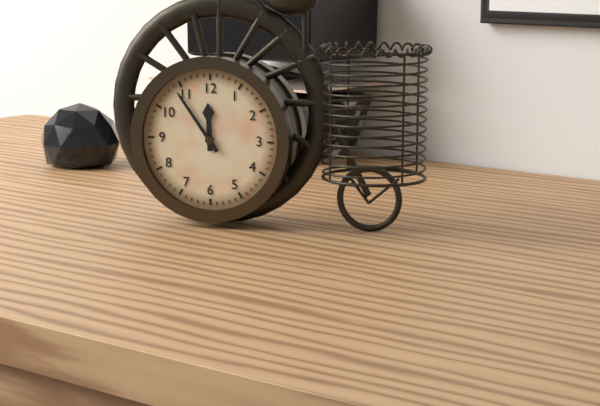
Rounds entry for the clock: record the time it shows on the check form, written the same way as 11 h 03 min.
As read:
11 h 54 min
